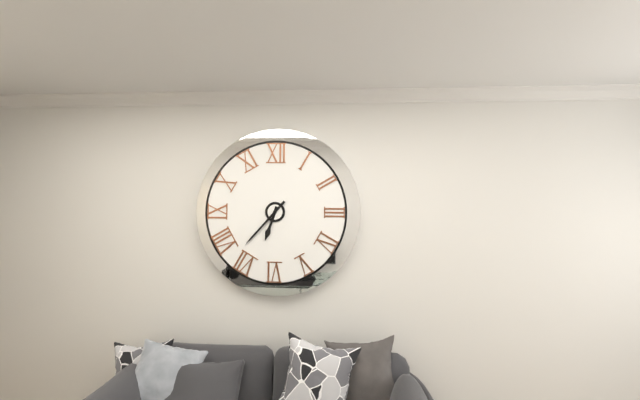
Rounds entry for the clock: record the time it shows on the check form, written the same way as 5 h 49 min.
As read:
6 h 37 min
